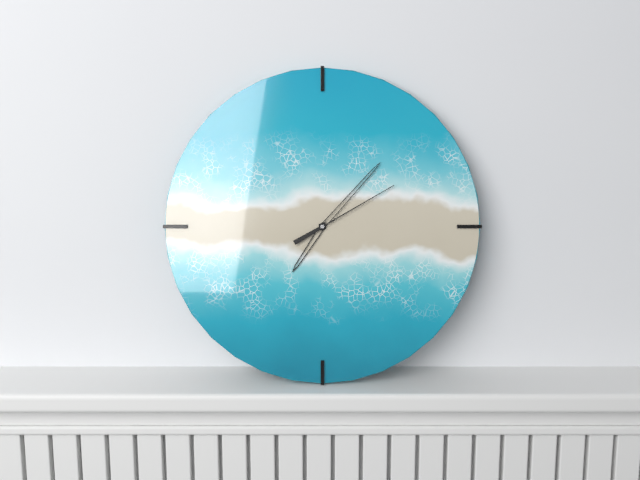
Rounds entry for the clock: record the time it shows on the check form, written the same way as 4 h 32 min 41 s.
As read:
7 h 07 min 10 s
